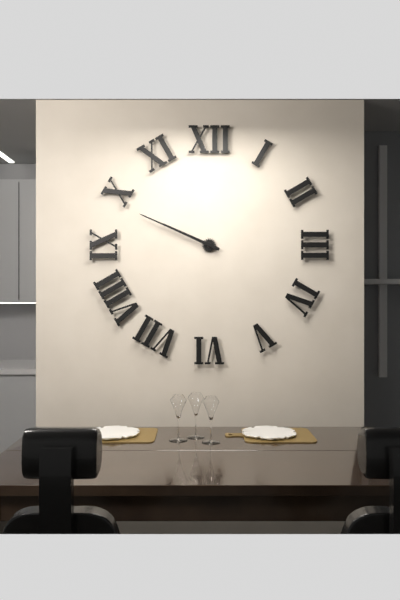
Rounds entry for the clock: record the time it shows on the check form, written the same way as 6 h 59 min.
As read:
9 h 49 min
